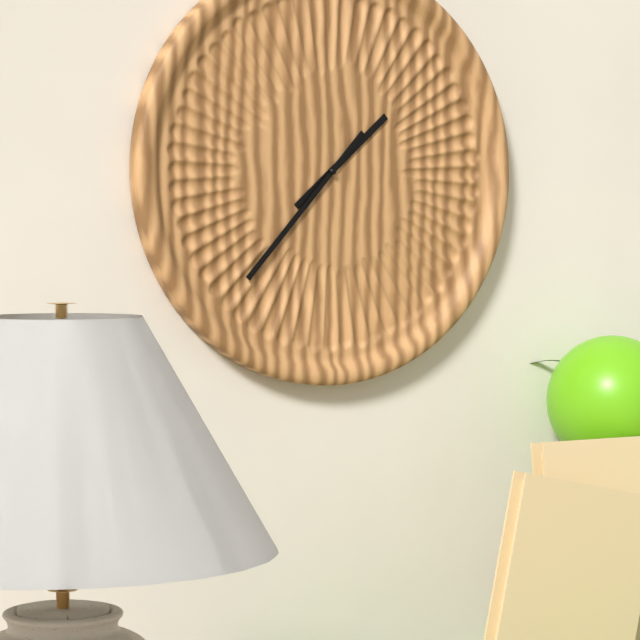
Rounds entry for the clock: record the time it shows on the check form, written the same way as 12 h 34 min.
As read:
1 h 37 min
